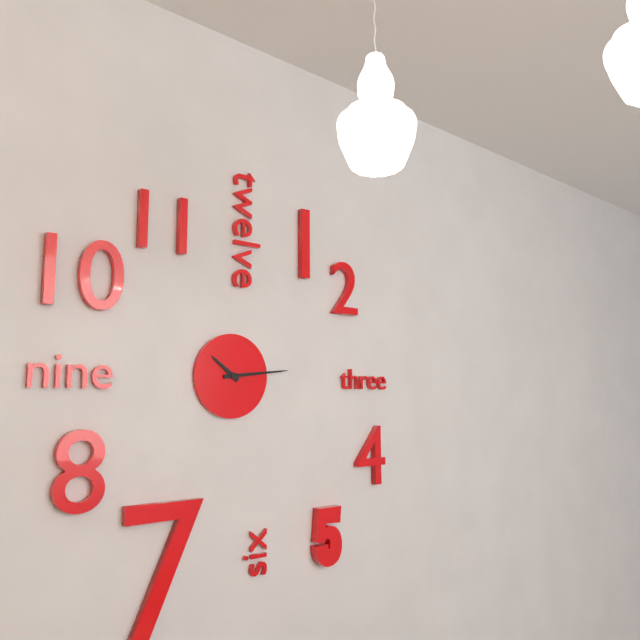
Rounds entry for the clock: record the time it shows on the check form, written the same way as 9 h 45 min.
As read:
10 h 14 min
